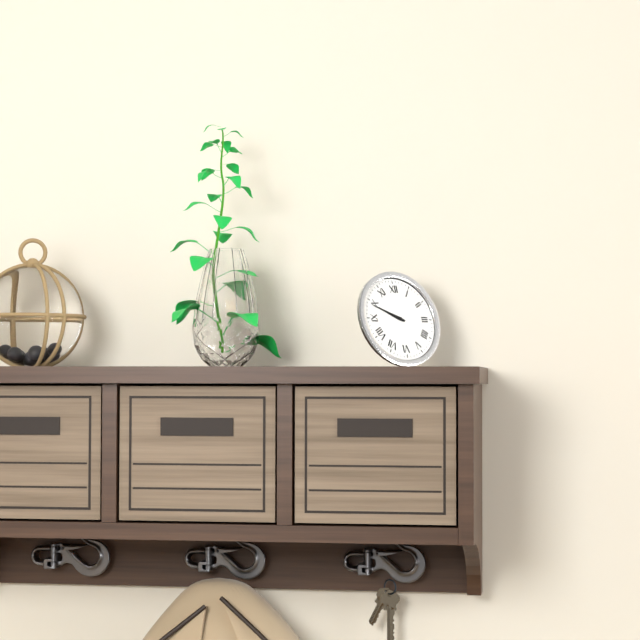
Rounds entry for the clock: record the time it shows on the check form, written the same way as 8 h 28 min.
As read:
9 h 49 min
